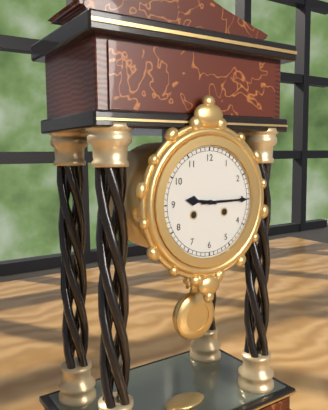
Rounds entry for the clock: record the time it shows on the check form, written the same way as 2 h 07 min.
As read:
9 h 15 min
